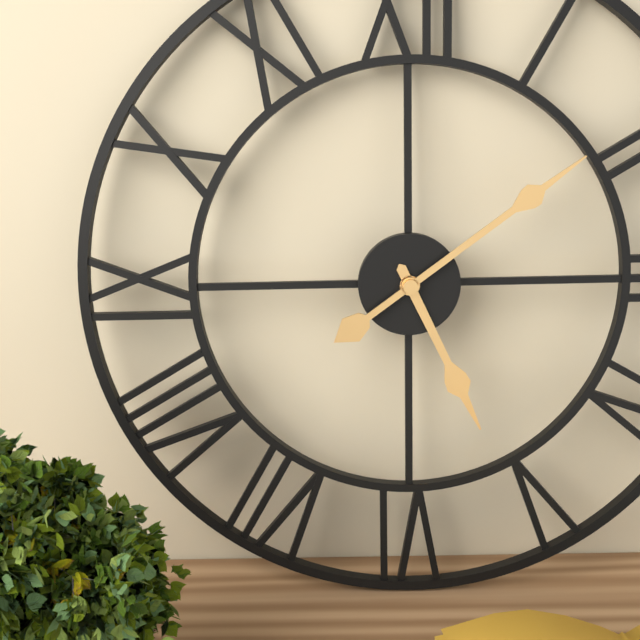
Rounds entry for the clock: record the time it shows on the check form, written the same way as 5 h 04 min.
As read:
5 h 09 min
